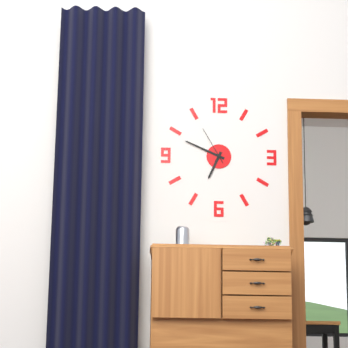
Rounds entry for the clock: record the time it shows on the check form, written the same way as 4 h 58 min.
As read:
6 h 49 min
